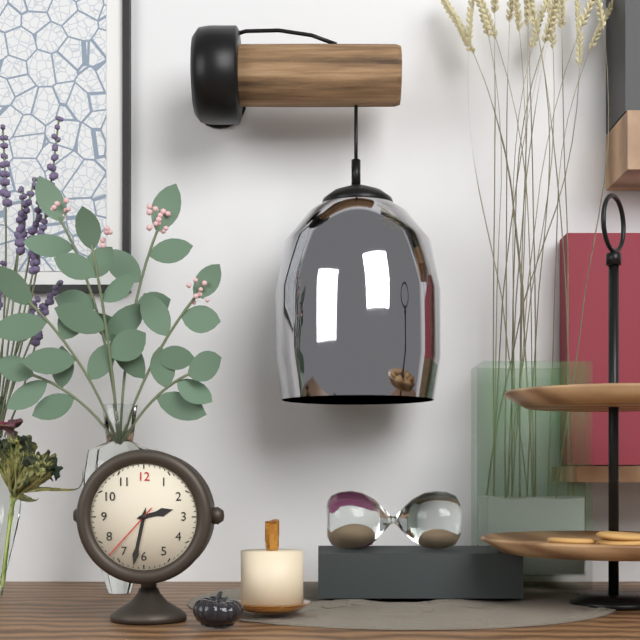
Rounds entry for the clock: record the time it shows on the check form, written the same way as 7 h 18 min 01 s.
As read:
2 h 32 min 37 s
